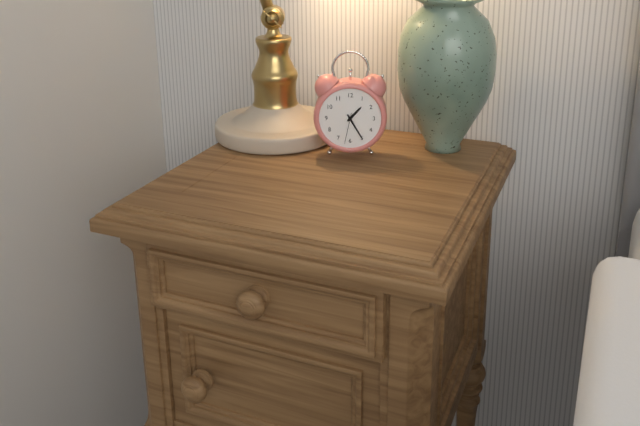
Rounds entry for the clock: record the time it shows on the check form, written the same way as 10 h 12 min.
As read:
1 h 25 min
